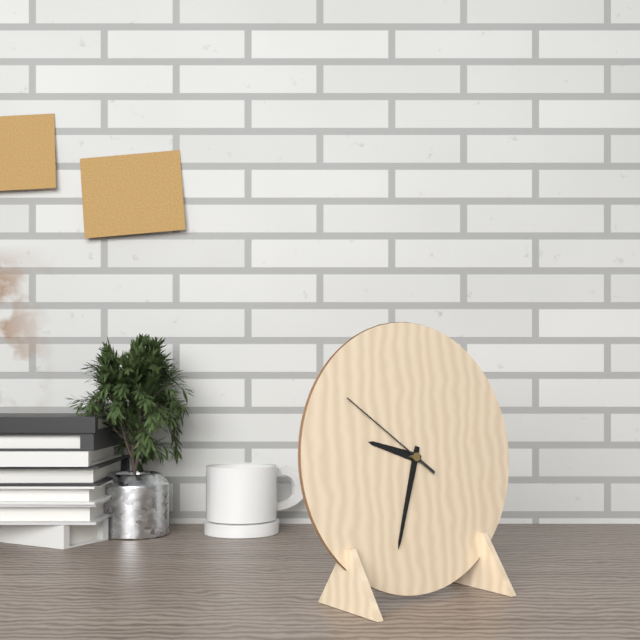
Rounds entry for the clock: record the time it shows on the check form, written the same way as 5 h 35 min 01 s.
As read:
9 h 33 min 51 s
